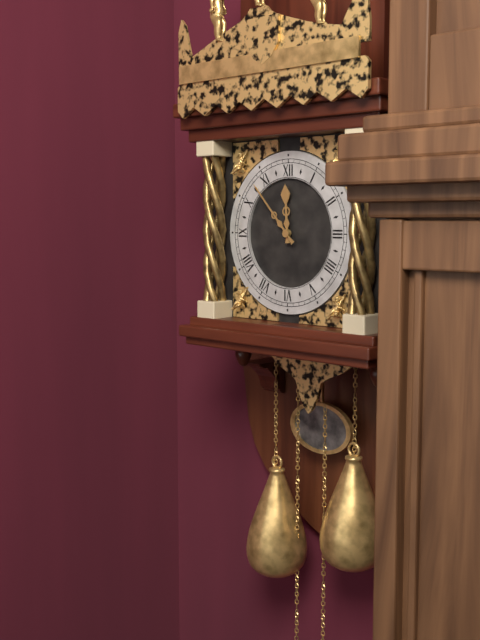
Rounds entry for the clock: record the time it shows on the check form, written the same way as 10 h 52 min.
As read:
11 h 53 min
